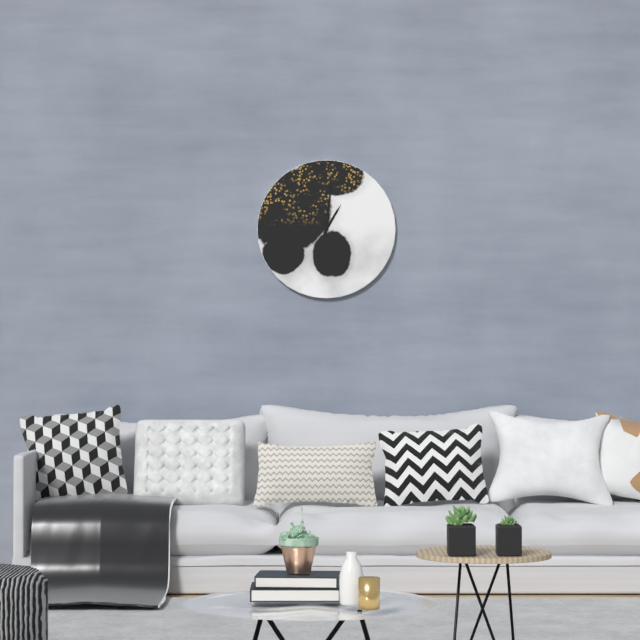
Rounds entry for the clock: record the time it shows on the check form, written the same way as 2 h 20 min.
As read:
1 h 01 min
